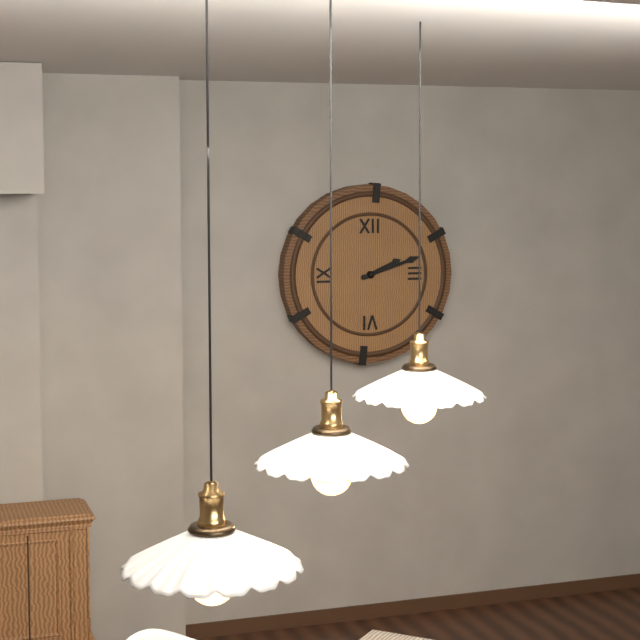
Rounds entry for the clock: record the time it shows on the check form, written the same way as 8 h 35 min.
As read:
2 h 12 min
